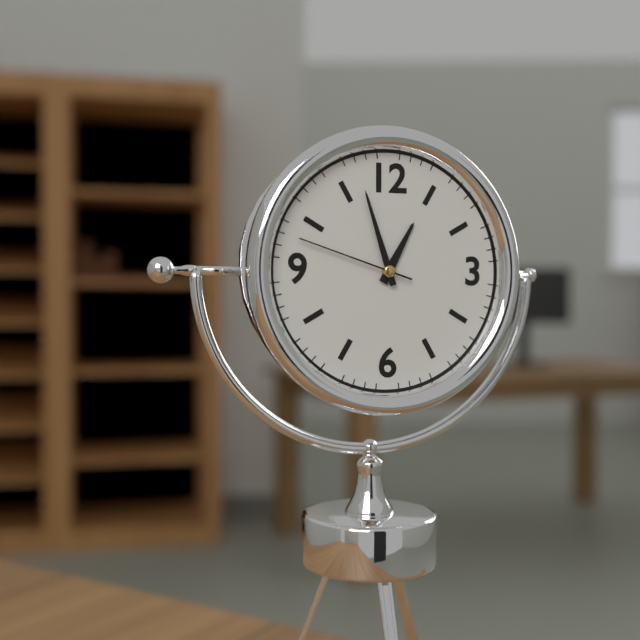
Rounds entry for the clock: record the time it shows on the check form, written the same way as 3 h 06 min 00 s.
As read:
12 h 57 min 48 s
